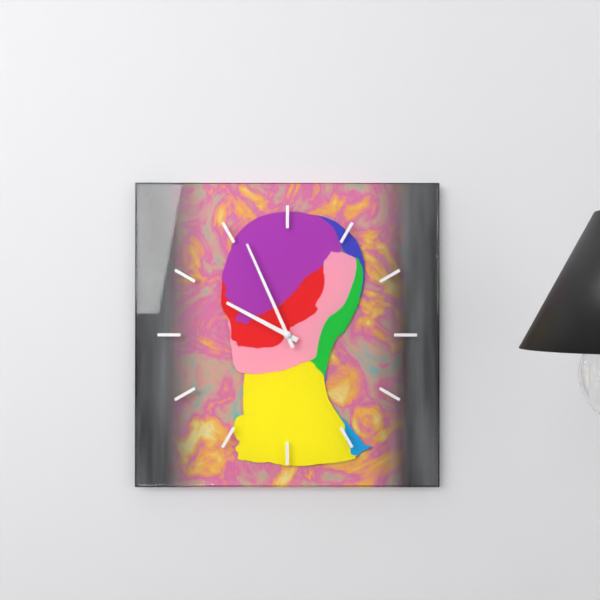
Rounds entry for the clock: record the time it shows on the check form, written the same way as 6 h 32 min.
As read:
9 h 56 min
